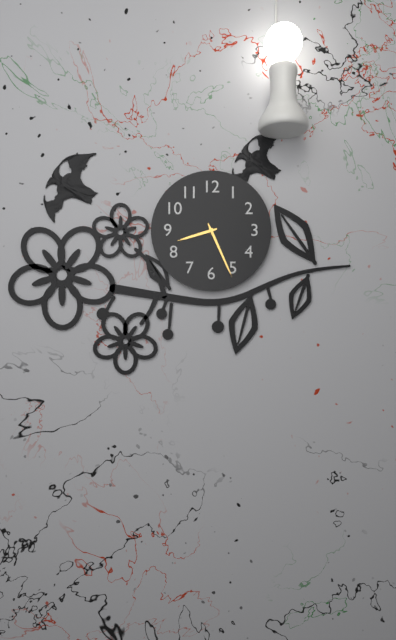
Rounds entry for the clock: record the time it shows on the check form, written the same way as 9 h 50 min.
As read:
8 h 26 min
